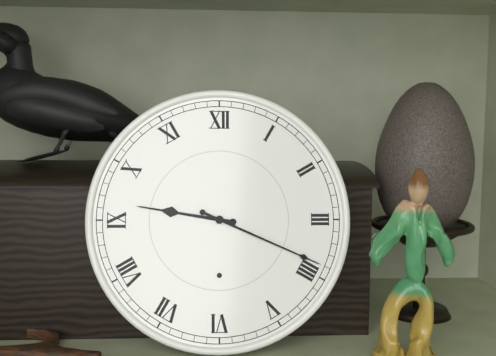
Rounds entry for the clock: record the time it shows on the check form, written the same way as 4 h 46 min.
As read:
9 h 19 min
